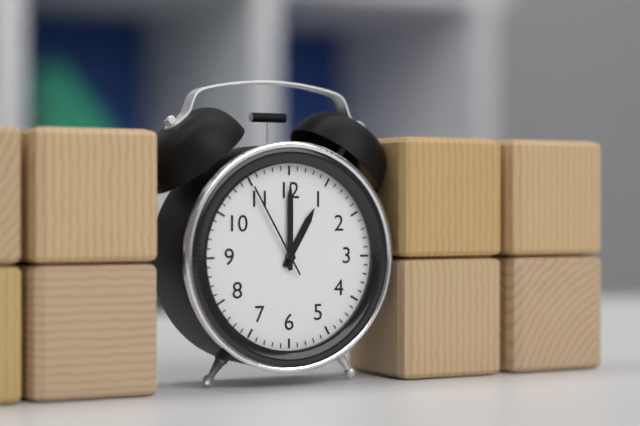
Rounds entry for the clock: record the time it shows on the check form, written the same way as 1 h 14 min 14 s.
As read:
1 h 00 min 55 s
